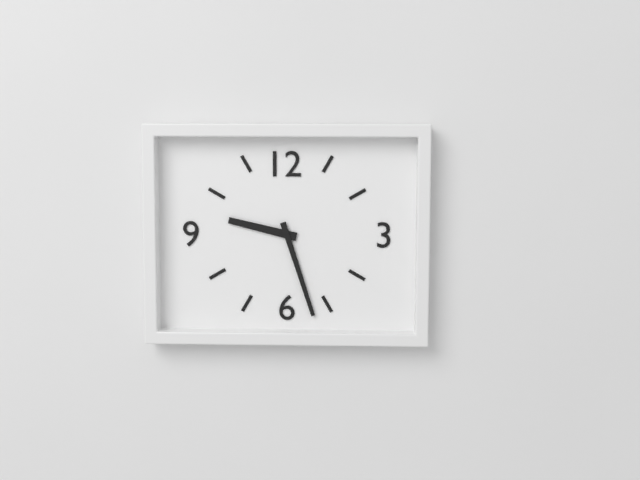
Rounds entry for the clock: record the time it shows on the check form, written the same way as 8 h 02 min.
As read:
9 h 27 min
